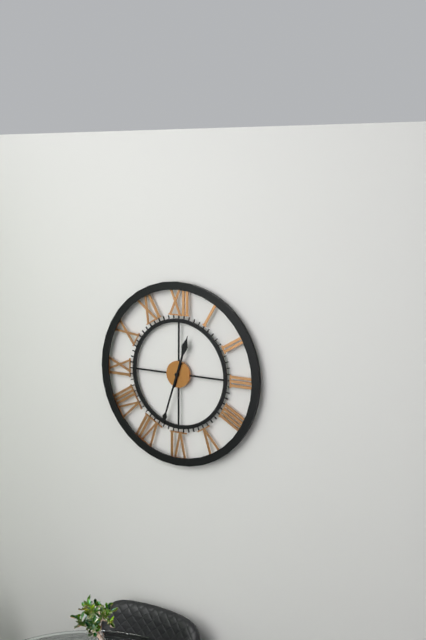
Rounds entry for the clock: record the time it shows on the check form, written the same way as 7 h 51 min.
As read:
12 h 33 min
